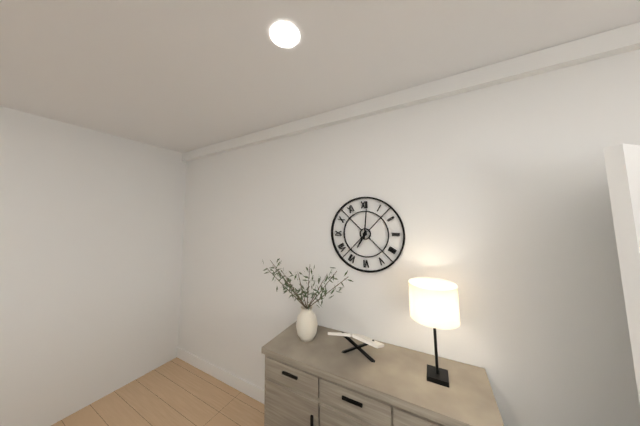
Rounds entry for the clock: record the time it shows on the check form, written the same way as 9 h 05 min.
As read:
7 h 01 min
